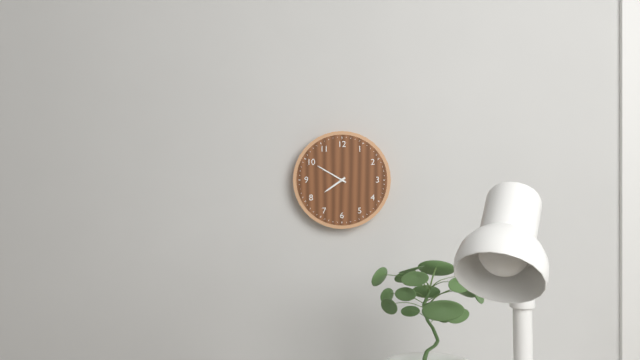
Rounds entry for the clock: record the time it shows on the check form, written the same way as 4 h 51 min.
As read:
7 h 50 min
